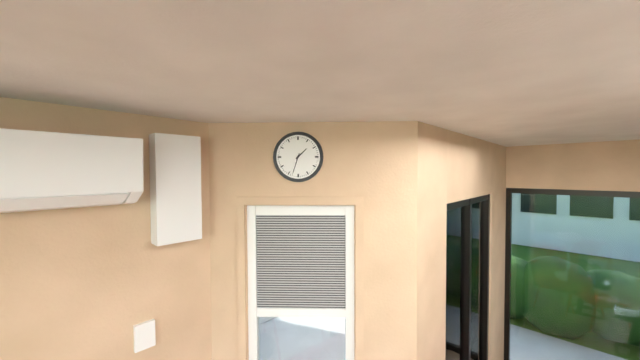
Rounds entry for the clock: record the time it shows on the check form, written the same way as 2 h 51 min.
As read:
1 h 33 min
